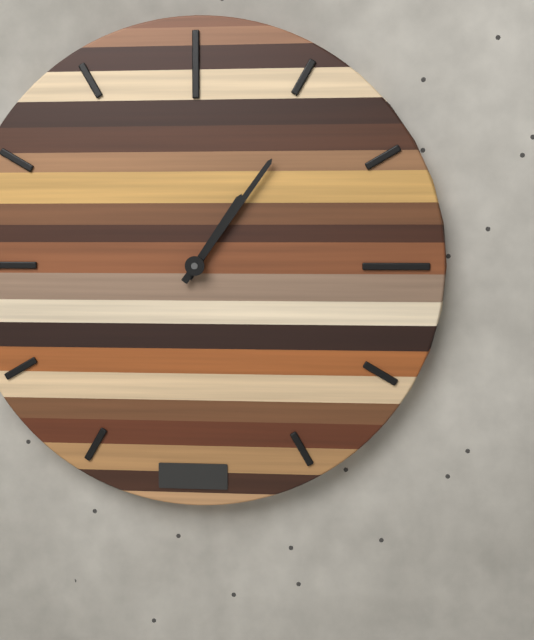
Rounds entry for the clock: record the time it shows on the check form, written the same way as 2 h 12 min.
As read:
1 h 06 min
